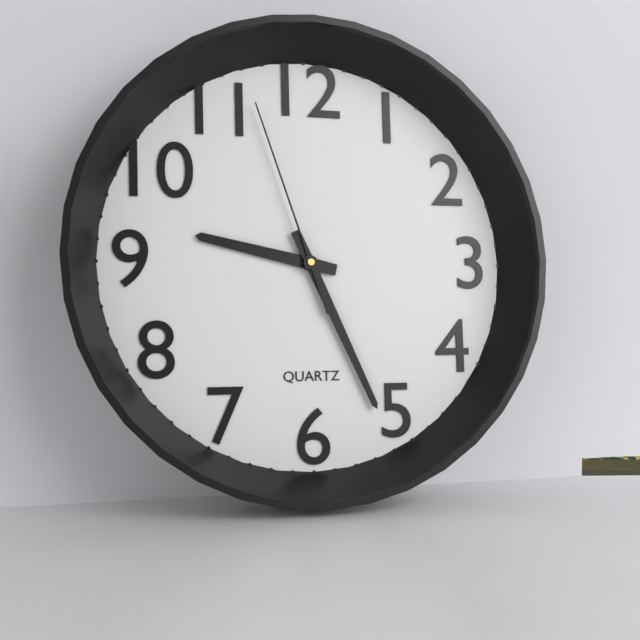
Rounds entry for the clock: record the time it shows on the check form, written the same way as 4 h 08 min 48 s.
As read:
9 h 26 min 57 s
